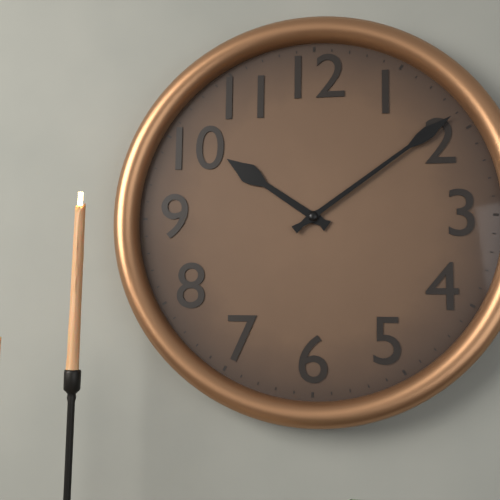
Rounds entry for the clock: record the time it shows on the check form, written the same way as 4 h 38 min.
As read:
10 h 09 min
